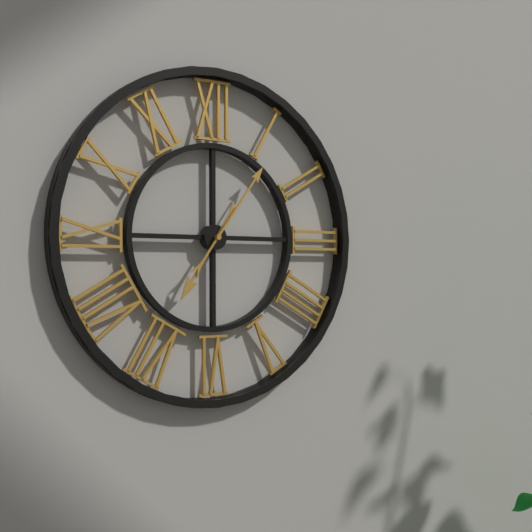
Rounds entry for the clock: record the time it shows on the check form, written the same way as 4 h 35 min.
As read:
7 h 06 min
